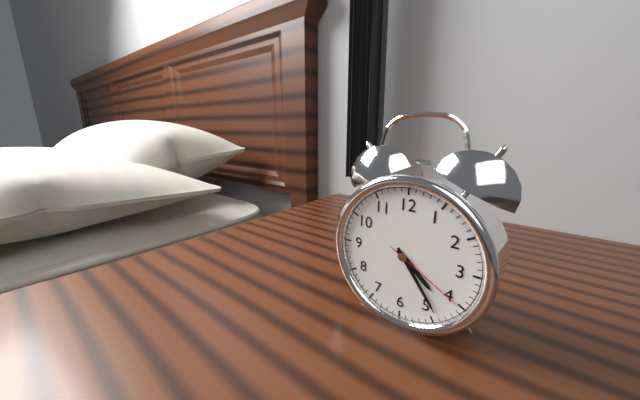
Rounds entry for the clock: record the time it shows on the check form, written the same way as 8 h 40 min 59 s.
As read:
4 h 24 min 20 s
